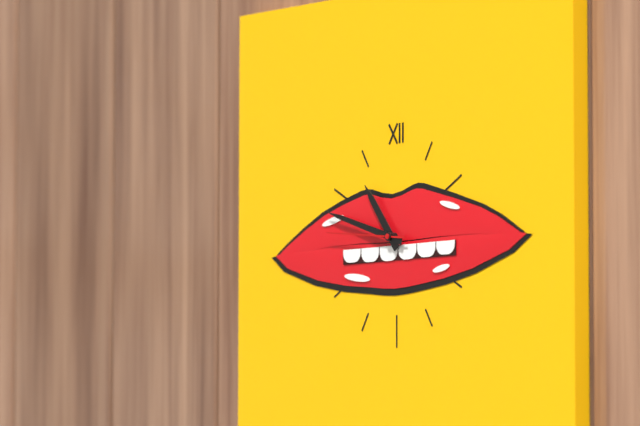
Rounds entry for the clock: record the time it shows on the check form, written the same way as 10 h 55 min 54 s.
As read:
10 h 48 min 46 s
